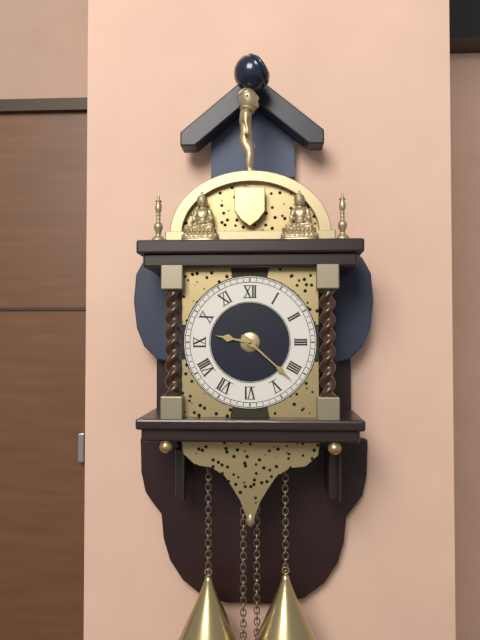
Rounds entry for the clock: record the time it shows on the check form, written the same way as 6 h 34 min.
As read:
9 h 22 min
